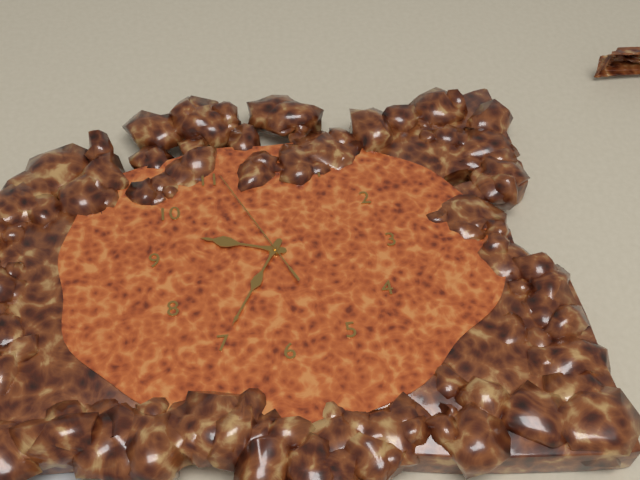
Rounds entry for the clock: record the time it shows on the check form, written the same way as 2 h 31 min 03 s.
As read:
9 h 35 min 56 s
